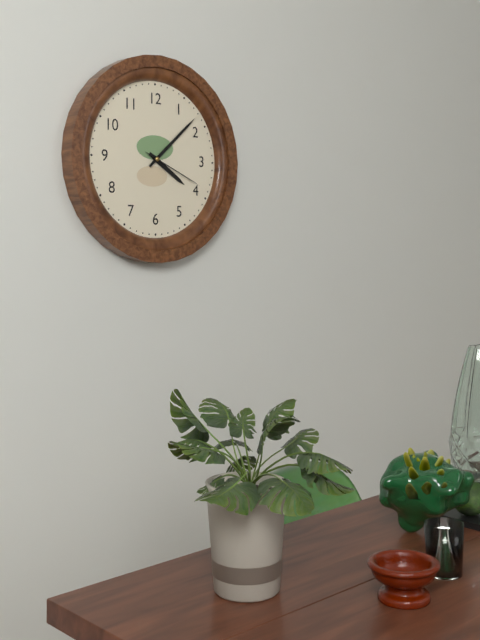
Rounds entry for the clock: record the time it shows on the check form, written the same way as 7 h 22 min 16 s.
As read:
4 h 08 min 19 s
